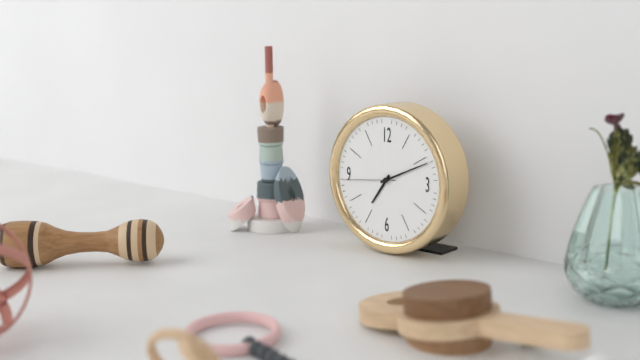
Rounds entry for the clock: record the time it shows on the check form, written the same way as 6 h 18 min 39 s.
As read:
7 h 11 min 44 s
